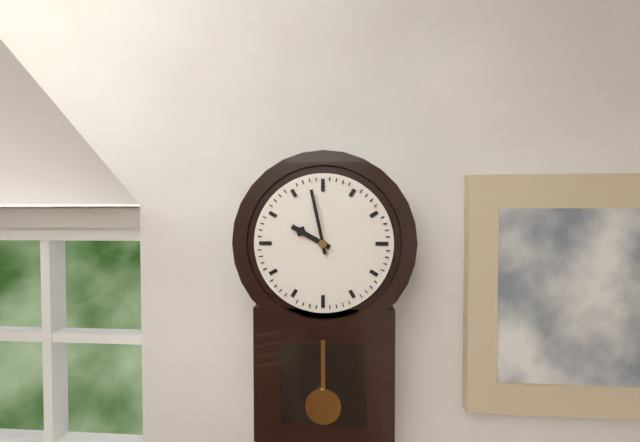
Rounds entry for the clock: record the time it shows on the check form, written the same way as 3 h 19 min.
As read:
9 h 58 min
